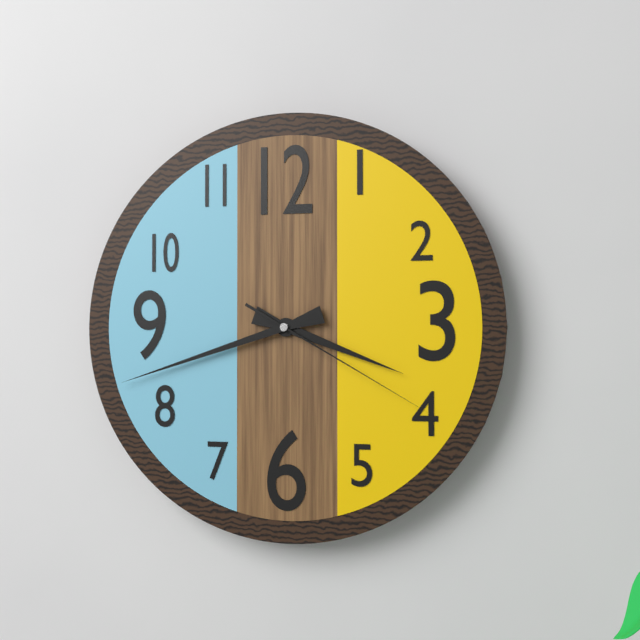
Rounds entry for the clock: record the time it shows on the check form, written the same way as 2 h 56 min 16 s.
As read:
3 h 42 min 20 s
